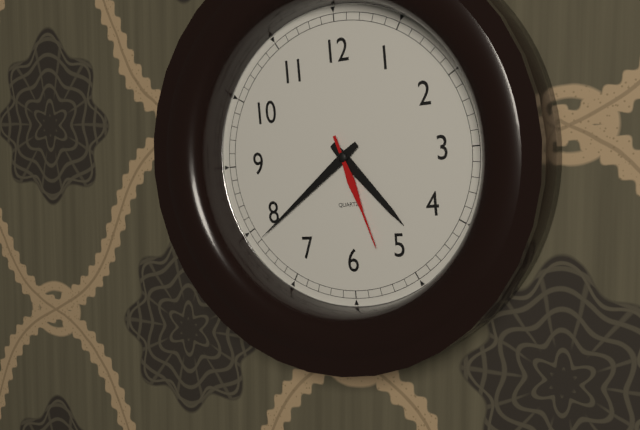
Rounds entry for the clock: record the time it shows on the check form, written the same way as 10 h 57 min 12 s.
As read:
4 h 39 min 27 s
